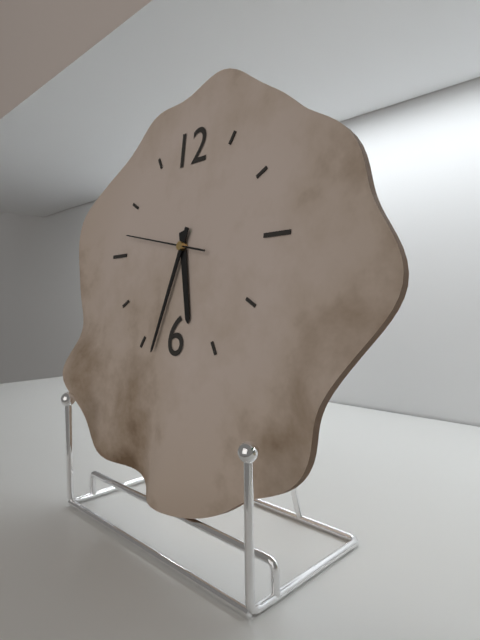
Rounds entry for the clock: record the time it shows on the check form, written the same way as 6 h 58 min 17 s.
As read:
5 h 33 min 47 s
